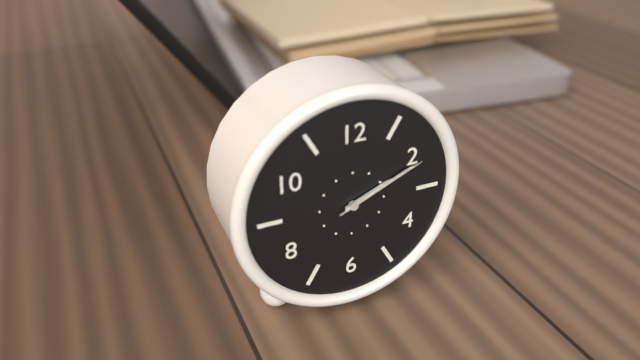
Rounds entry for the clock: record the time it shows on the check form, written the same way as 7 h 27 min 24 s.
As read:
2 h 11 min 11 s
